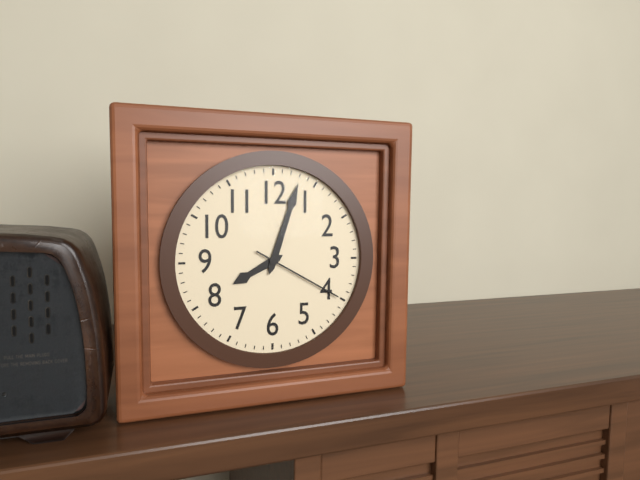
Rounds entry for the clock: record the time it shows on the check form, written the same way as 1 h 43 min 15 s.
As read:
8 h 03 min 20 s
